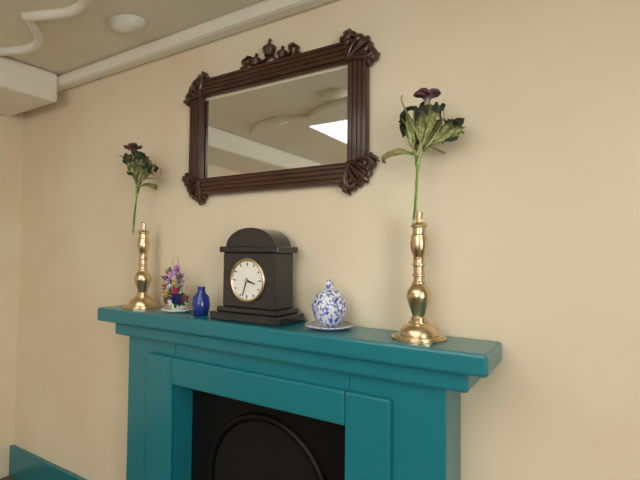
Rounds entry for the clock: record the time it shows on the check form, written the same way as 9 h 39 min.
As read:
3 h 33 min
